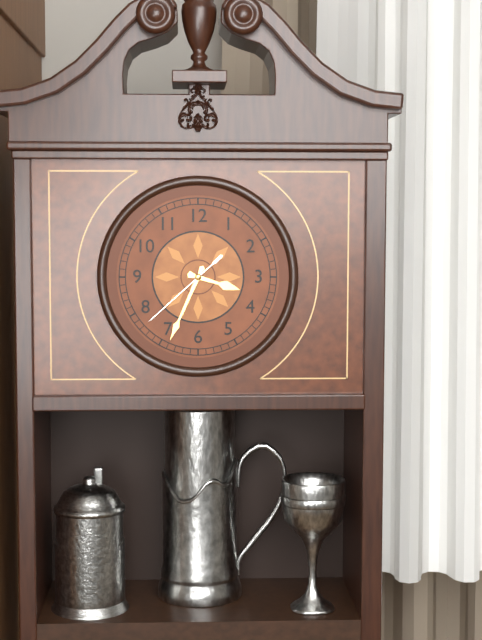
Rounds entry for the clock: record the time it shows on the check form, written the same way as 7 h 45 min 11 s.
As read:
3 h 34 min 38 s
